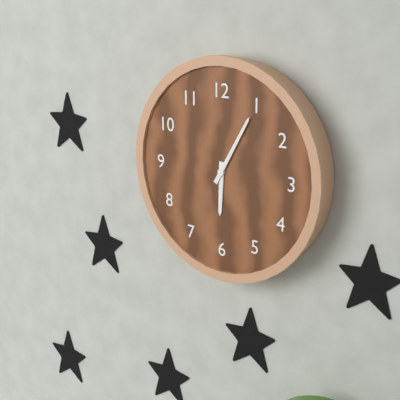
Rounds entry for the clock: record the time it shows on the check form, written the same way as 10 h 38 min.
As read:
6 h 05 min
